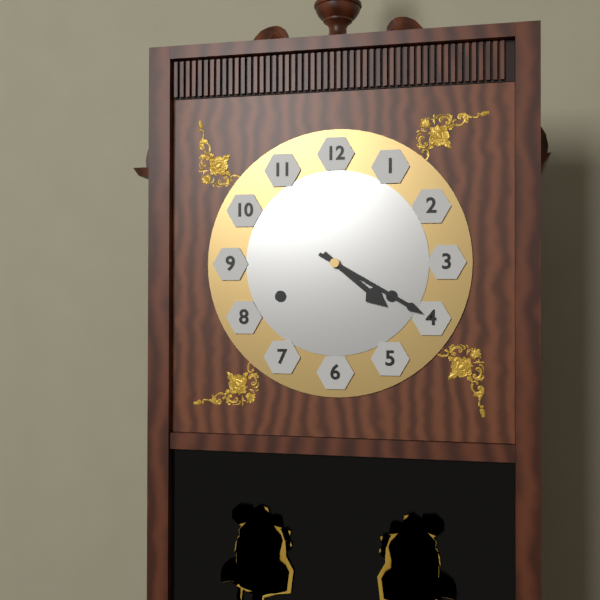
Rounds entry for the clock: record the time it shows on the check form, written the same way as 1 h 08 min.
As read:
4 h 20 min
